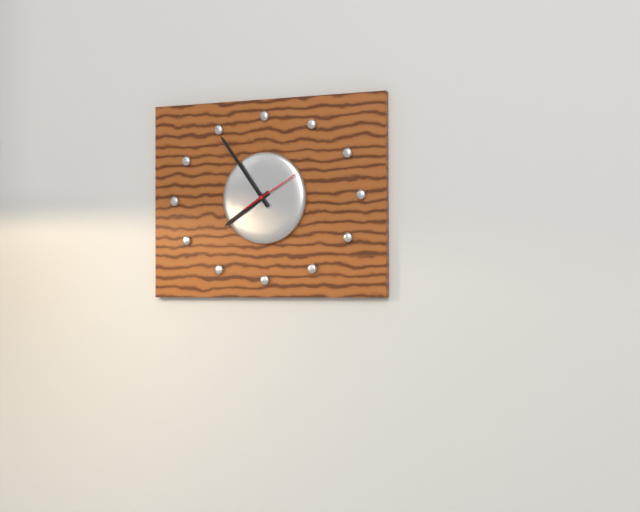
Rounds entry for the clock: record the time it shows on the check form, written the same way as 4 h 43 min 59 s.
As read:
7 h 54 min 10 s
